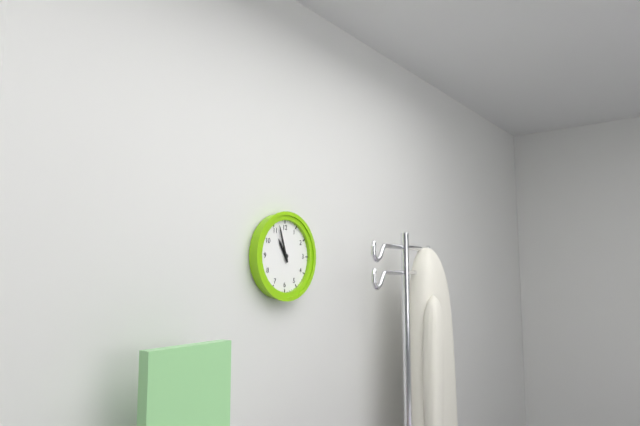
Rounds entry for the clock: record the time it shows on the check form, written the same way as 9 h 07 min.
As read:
10 h 57 min
